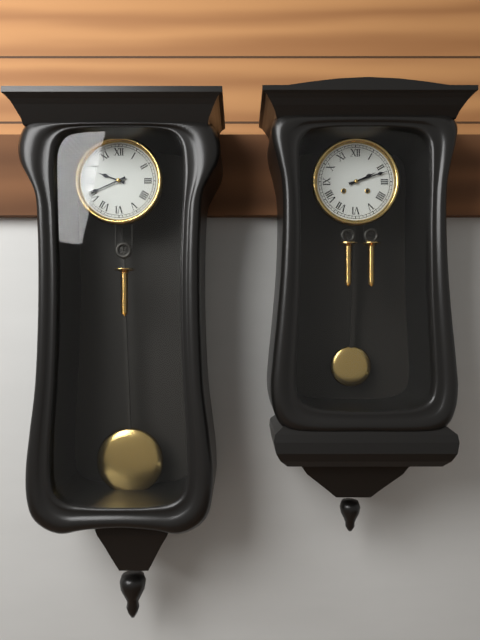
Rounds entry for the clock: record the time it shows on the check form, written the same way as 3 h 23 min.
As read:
9 h 41 min
